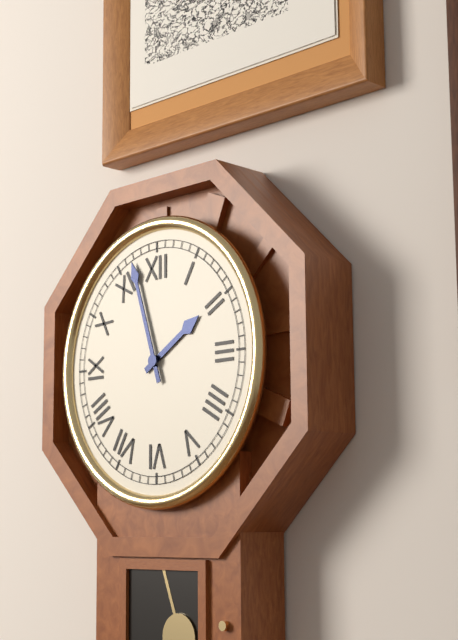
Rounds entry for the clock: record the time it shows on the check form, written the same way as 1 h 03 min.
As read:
1 h 57 min
